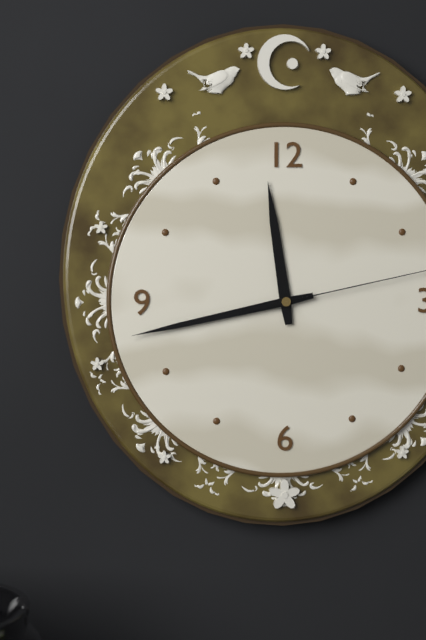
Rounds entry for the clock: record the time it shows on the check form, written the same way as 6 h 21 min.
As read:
11 h 43 min
